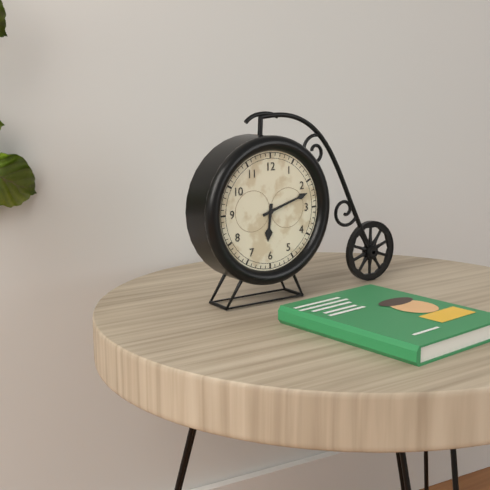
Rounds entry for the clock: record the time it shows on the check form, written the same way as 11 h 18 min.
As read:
6 h 12 min
